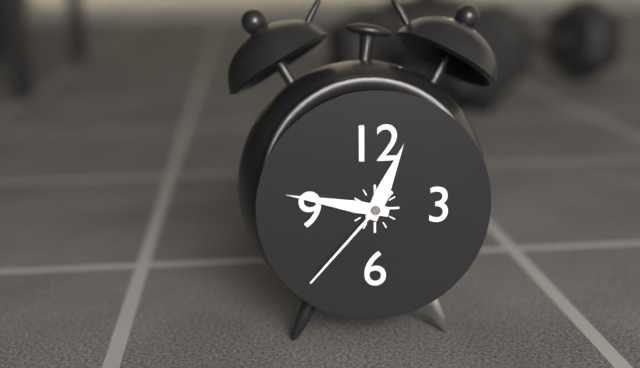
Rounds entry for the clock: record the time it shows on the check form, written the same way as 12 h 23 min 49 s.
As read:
12 h 47 min 37 s
